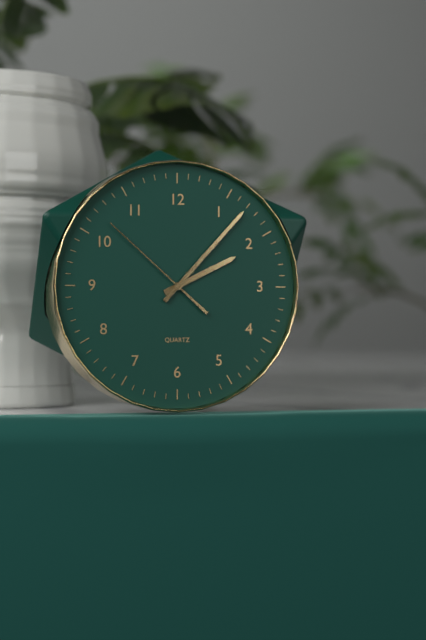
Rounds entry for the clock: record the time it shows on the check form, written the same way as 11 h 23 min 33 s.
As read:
2 h 07 min 52 s
